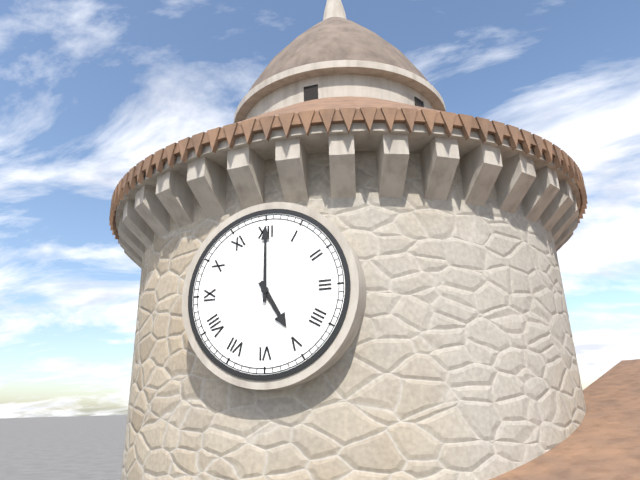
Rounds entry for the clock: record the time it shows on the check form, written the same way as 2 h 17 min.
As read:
5 h 00 min
